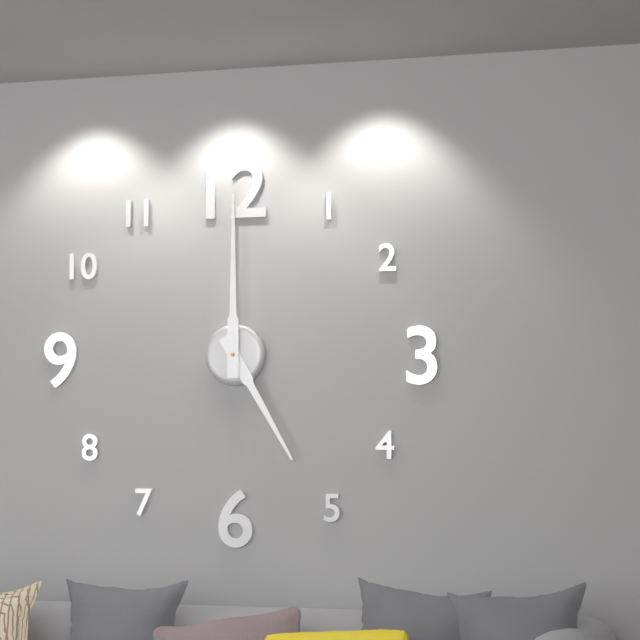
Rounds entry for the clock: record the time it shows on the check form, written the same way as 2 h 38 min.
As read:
5 h 00 min
